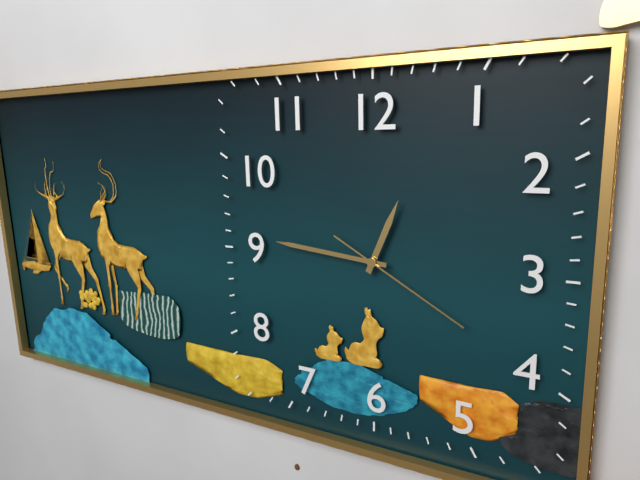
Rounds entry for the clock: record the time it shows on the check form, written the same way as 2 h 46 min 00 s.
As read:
12 h 46 min 20 s
